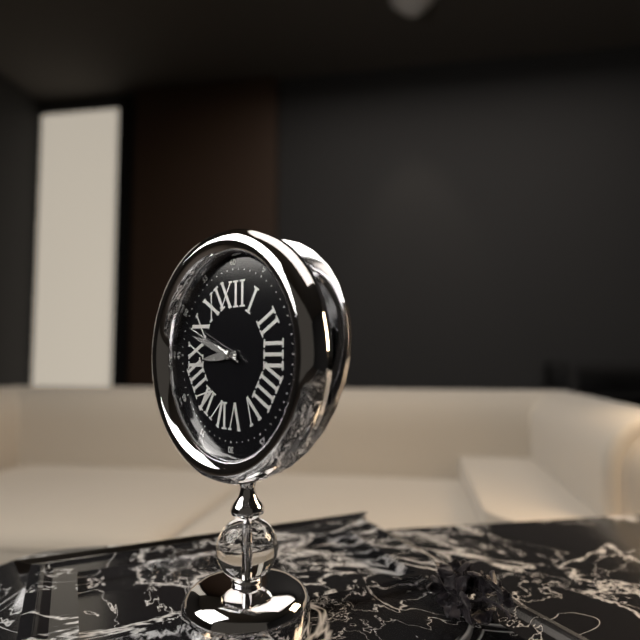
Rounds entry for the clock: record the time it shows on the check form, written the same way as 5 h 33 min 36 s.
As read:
8 h 48 min 49 s
